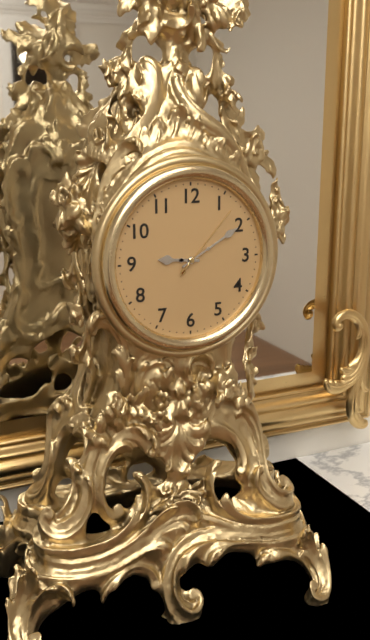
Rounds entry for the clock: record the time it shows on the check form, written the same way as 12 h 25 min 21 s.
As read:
9 h 10 min 07 s
